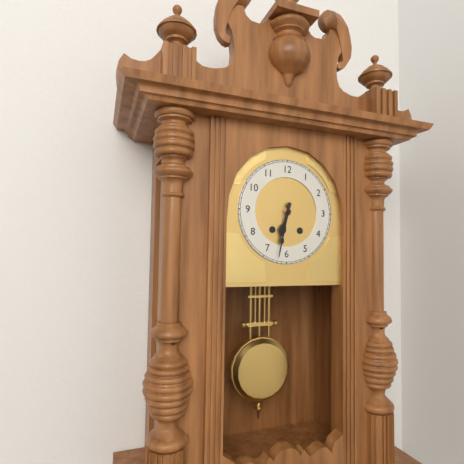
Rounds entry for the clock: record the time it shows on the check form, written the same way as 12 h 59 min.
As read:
6 h 32 min
